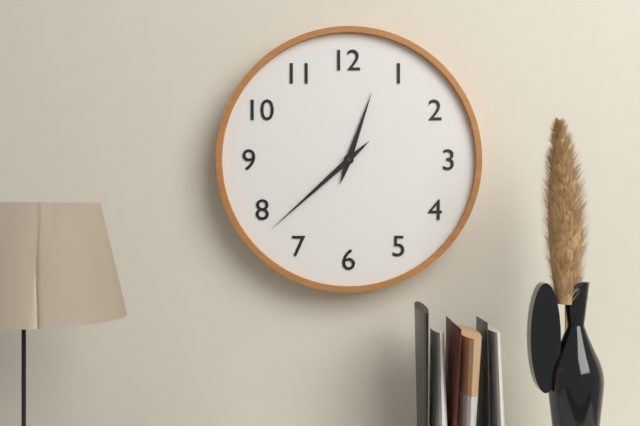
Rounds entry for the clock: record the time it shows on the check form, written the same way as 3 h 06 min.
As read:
12 h 38 min
